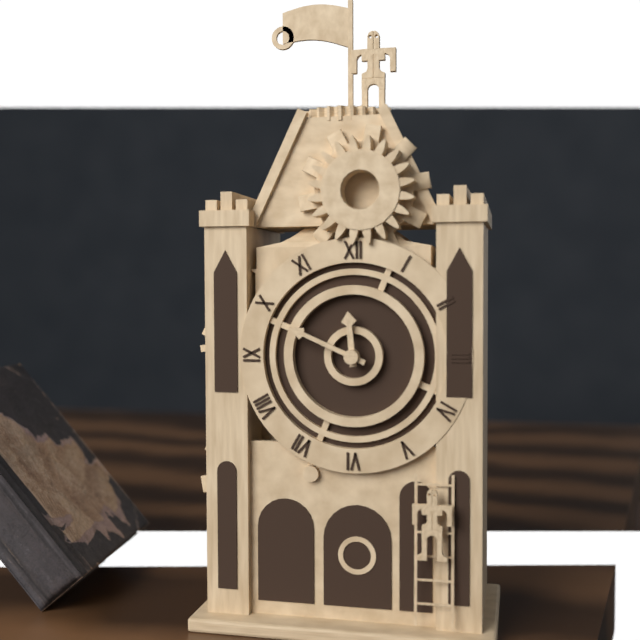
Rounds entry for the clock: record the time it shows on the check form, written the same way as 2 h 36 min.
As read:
11 h 49 min
